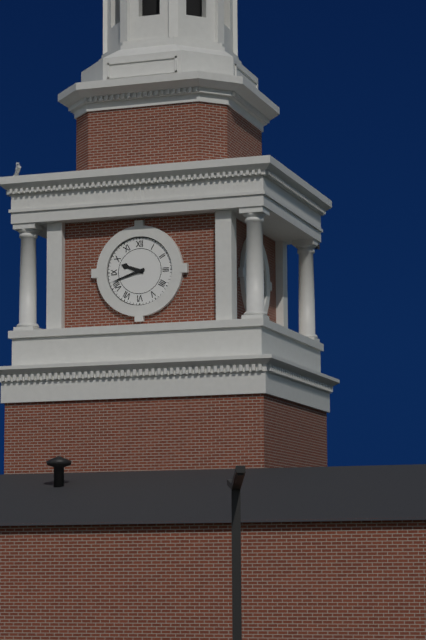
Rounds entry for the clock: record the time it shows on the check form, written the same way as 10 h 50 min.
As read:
9 h 42 min
